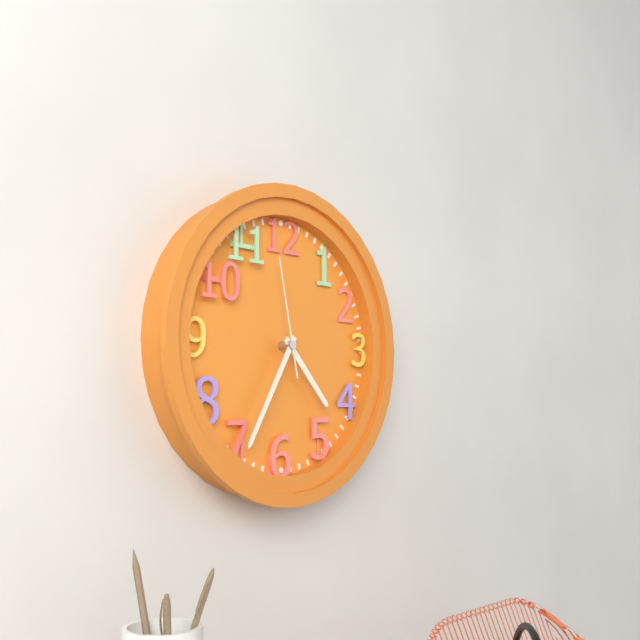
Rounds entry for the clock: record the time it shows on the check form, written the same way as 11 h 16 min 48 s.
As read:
4 h 35 min 58 s
